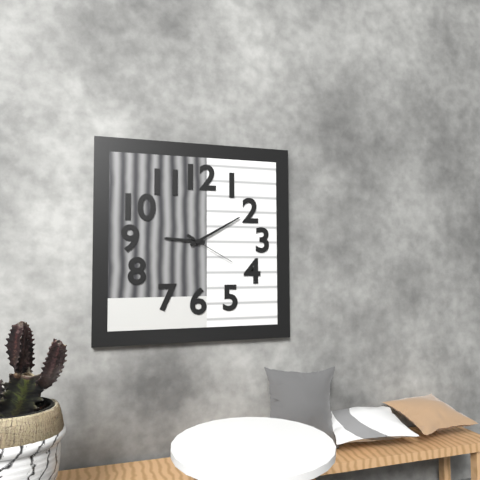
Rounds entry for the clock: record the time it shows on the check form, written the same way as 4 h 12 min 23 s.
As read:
9 h 10 min 20 s
